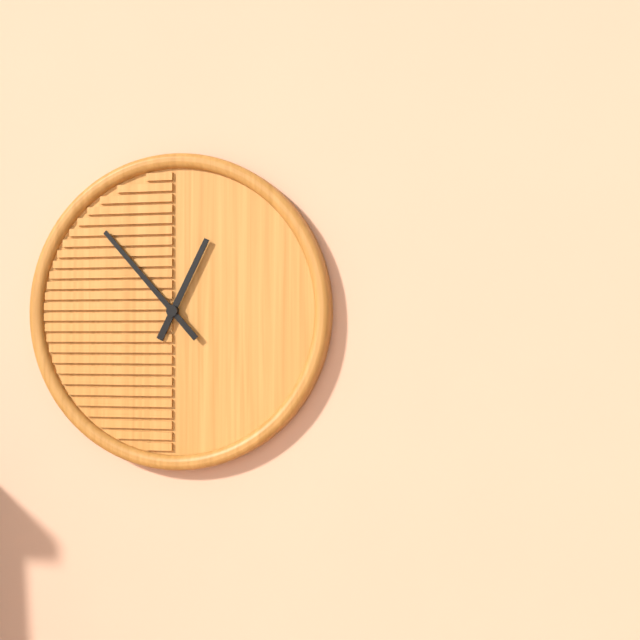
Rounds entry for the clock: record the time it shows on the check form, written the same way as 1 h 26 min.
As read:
12 h 53 min
